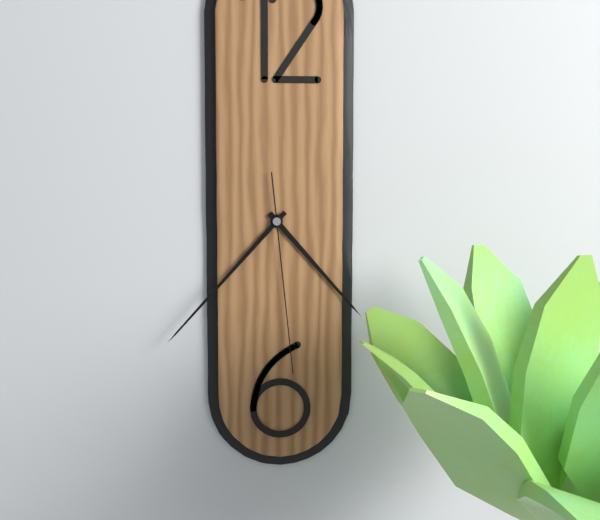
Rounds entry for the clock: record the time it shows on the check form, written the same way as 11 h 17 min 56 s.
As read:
4 h 37 min 29 s
